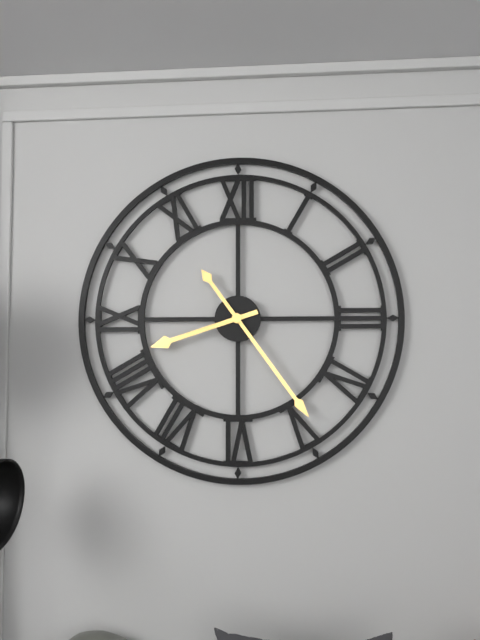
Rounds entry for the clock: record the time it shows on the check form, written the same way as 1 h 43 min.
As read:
8 h 24 min
